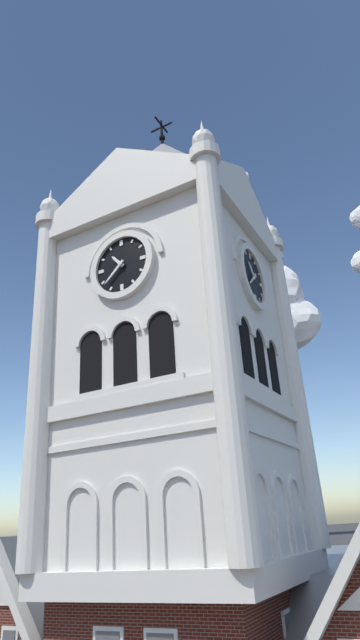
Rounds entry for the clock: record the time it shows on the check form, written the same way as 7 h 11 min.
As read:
10 h 38 min
